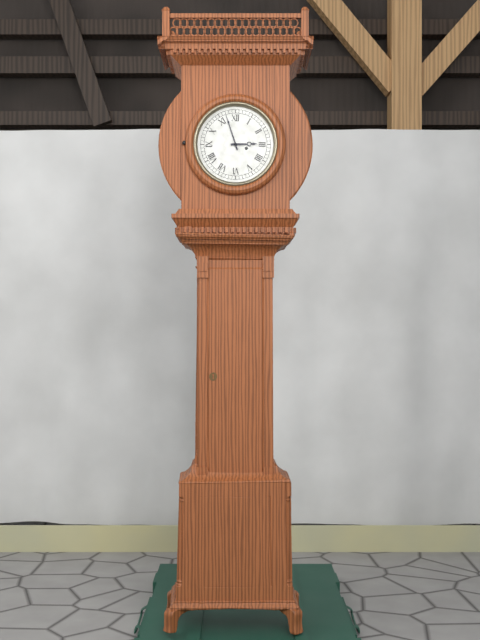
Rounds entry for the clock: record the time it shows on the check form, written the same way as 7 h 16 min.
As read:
2 h 57 min
